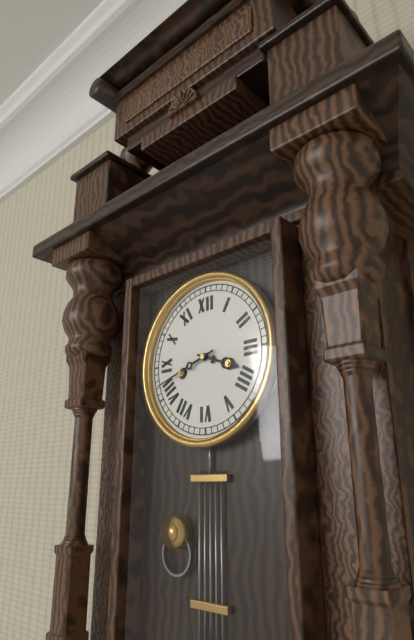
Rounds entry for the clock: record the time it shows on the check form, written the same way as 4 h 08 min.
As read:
3 h 42 min
